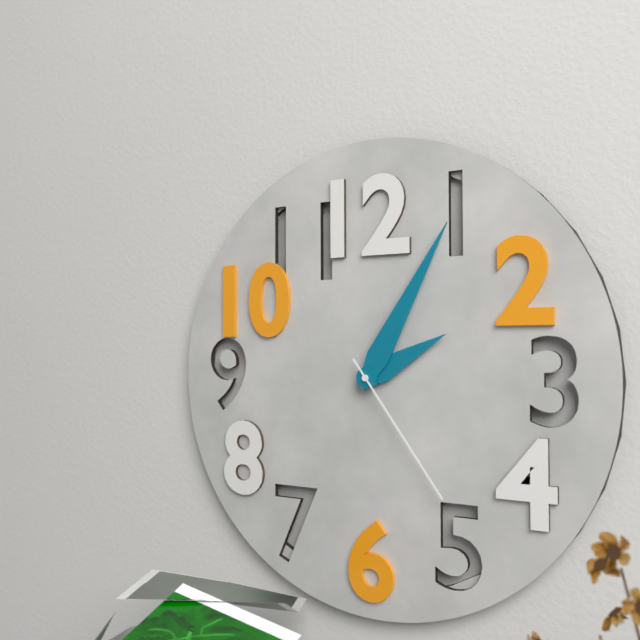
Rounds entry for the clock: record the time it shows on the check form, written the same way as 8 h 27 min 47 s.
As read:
2 h 05 min 24 s
